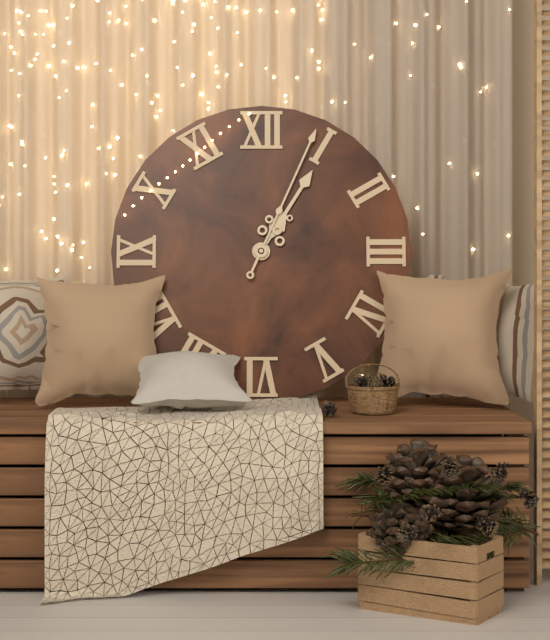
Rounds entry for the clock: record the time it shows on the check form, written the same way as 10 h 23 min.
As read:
1 h 04 min
